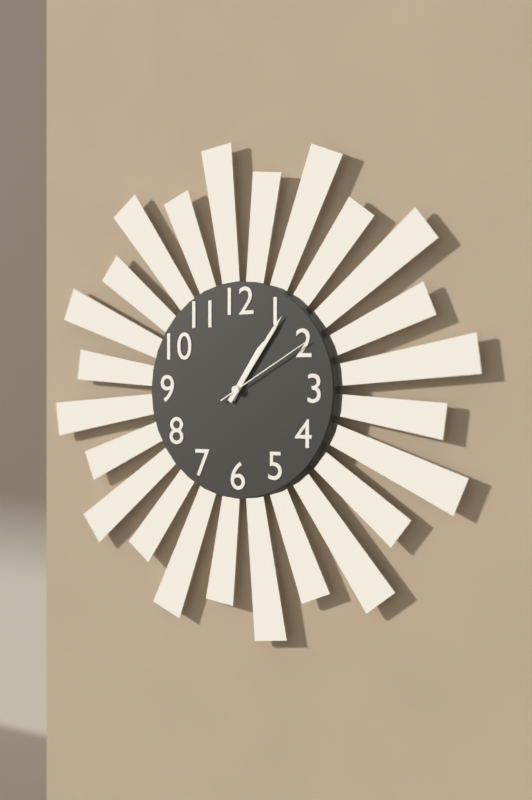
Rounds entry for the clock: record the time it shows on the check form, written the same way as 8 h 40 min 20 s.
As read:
1 h 06 min 10 s
